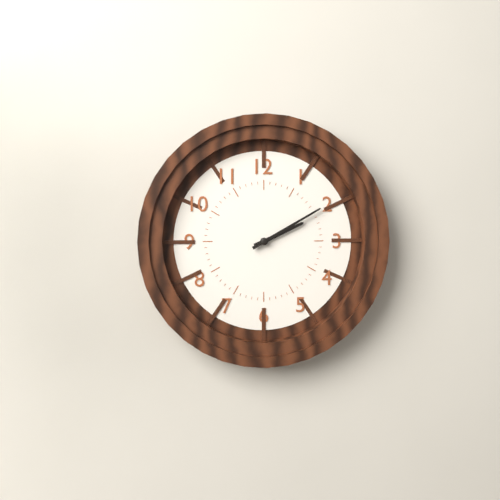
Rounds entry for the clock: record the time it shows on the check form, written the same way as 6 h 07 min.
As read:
2 h 10 min
